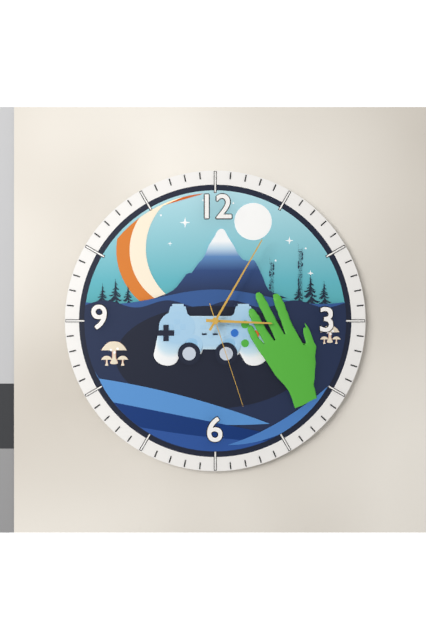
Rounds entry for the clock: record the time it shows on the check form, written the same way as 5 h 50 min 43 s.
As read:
3 h 05 min 27 s
